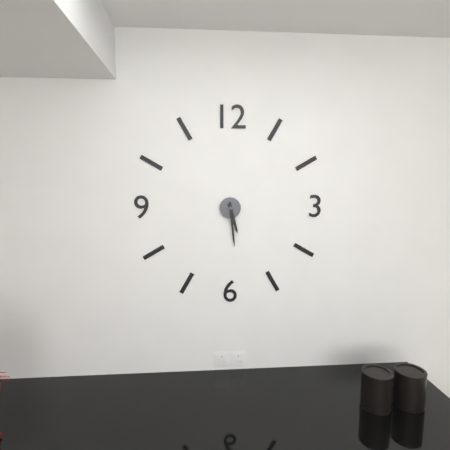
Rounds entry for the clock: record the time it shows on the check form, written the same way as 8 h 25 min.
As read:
5 h 29 min
